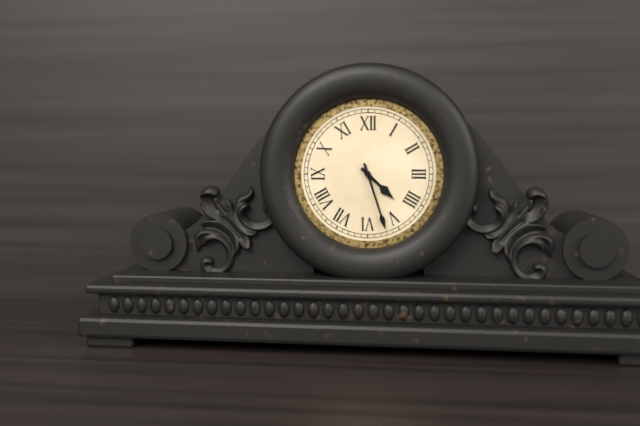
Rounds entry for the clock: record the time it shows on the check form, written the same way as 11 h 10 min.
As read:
4 h 27 min
